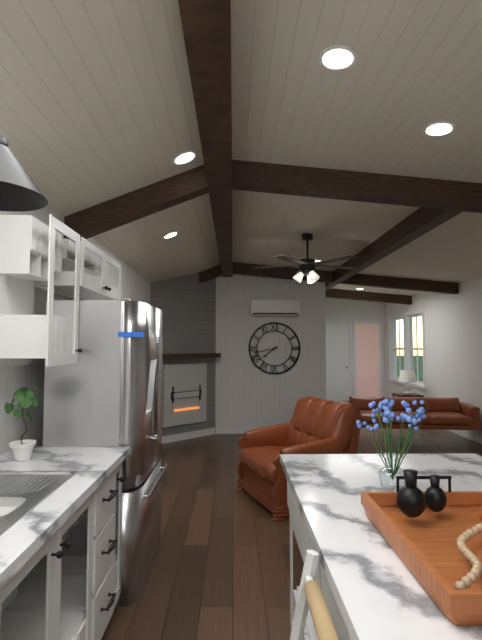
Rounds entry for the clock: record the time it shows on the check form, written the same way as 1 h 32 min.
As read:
7 h 43 min
